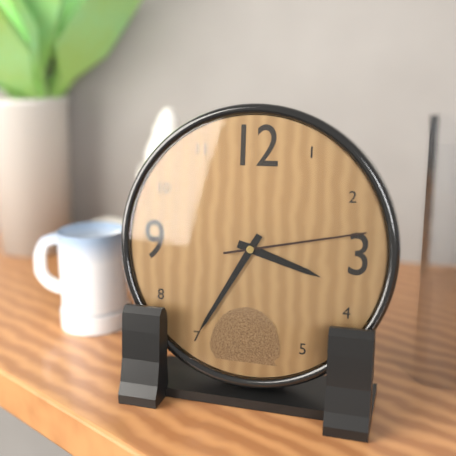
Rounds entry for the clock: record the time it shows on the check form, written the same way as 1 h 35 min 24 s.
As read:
3 h 35 min 13 s
